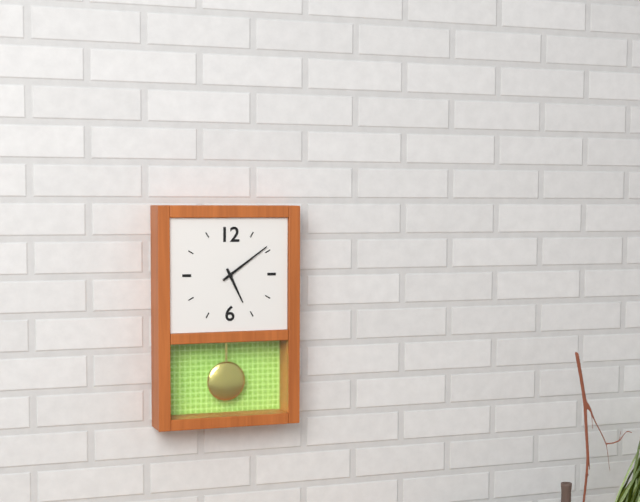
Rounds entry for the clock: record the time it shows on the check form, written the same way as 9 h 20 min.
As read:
5 h 09 min
